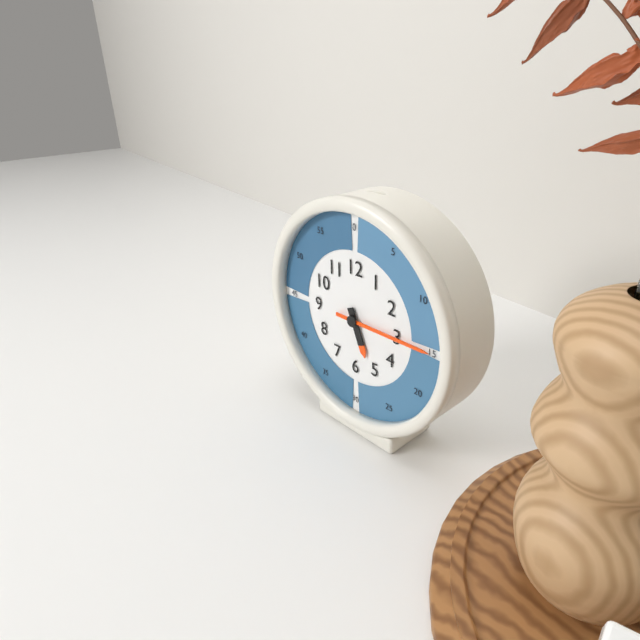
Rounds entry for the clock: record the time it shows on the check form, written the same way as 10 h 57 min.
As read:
5 h 15 min
